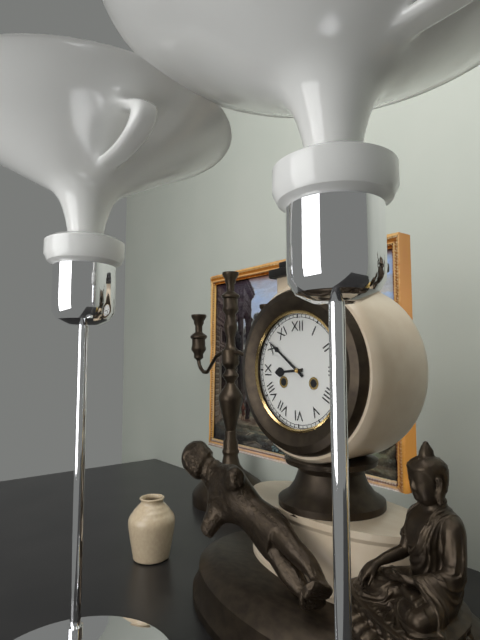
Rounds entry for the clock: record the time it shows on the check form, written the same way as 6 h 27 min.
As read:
8 h 51 min
